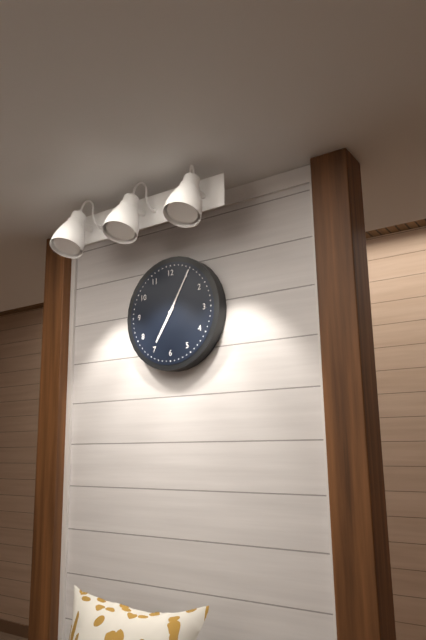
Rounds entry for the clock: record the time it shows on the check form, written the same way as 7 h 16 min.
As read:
7 h 05 min
